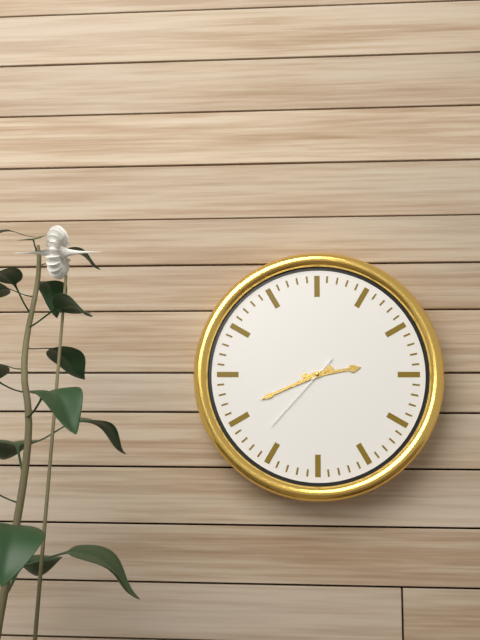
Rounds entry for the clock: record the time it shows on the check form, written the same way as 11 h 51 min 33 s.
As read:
2 h 41 min 37 s
